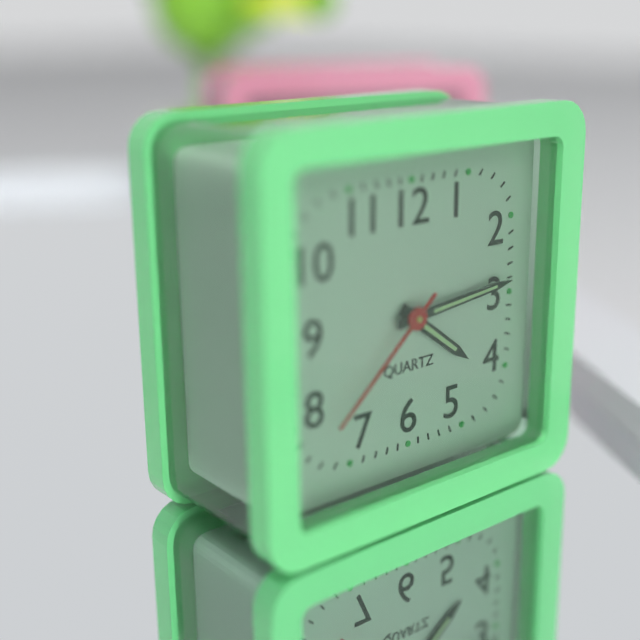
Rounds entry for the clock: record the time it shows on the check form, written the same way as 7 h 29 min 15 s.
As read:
4 h 14 min 38 s
